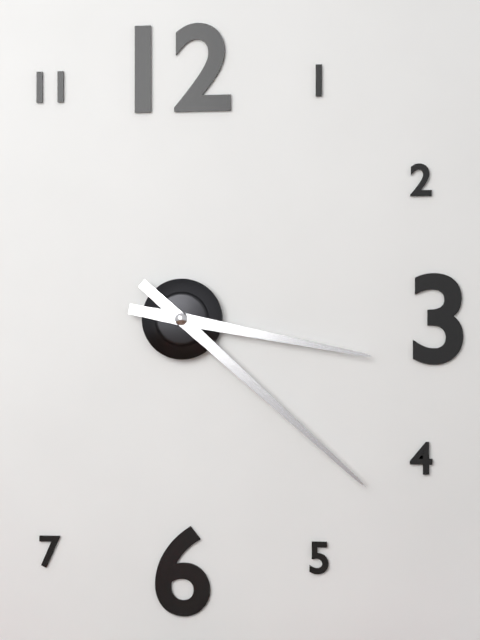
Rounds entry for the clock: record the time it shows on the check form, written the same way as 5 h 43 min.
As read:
3 h 22 min
